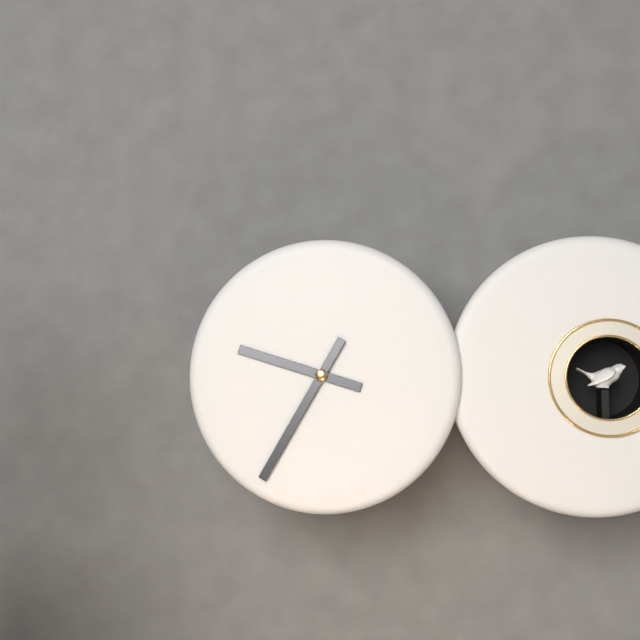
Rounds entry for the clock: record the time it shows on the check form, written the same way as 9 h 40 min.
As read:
9 h 35 min
